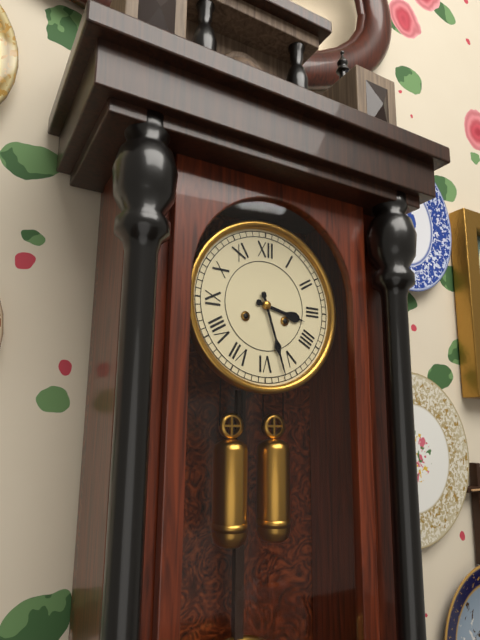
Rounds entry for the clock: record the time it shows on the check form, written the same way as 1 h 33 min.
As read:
3 h 27 min
